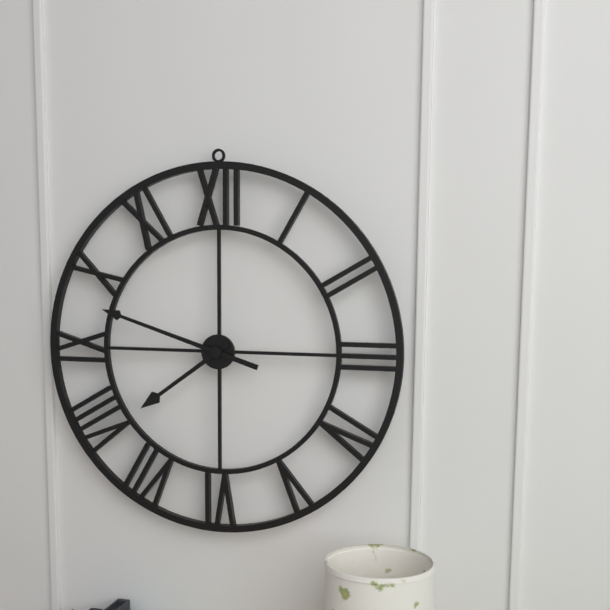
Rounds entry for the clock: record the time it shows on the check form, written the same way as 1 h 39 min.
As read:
7 h 48 min
